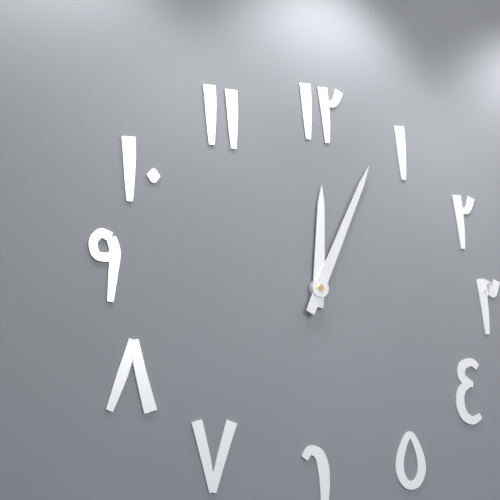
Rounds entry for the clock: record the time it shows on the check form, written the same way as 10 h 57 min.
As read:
12 h 04 min
